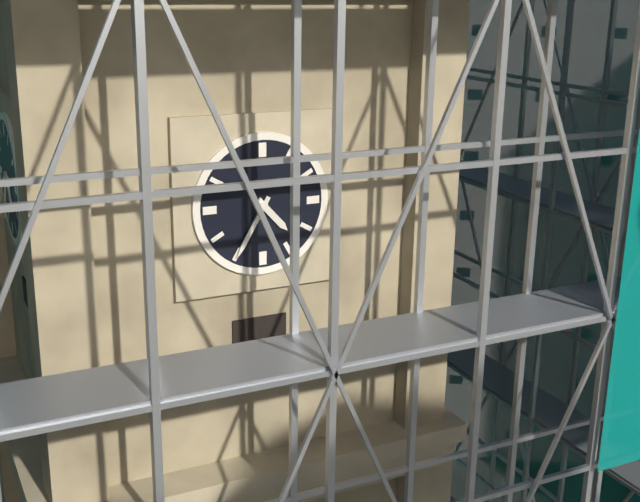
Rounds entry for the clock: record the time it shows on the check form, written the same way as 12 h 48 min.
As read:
4 h 35 min
